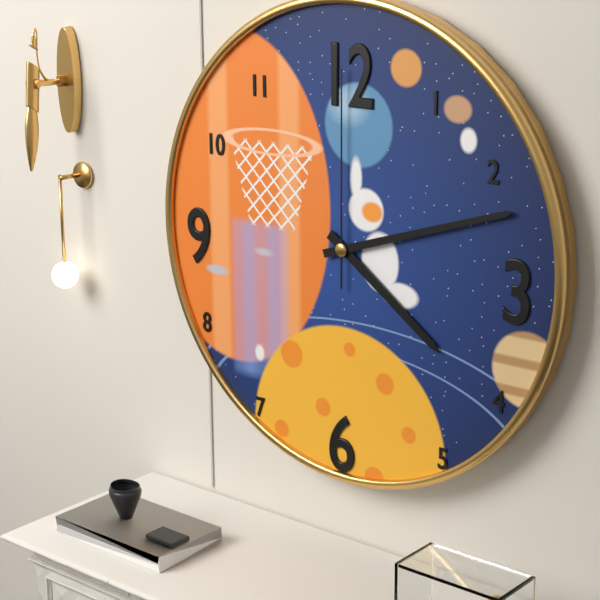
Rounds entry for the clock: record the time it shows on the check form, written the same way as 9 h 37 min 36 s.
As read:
4 h 12 min 00 s
